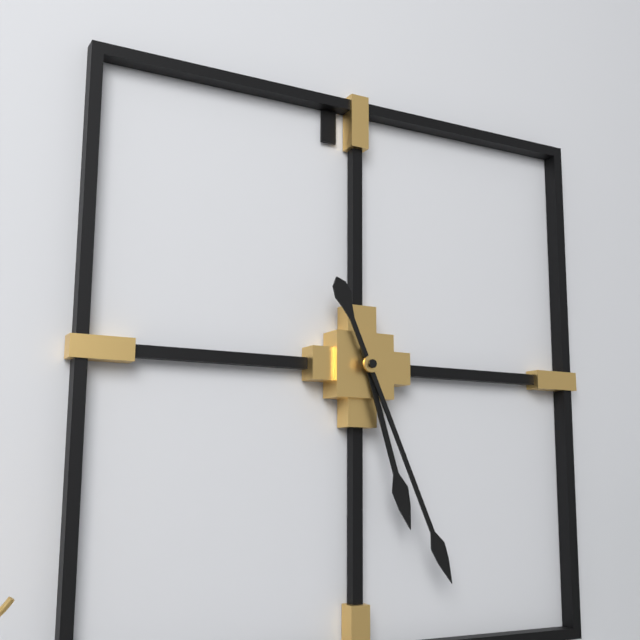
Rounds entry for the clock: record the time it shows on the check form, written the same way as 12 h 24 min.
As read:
5 h 26 min
